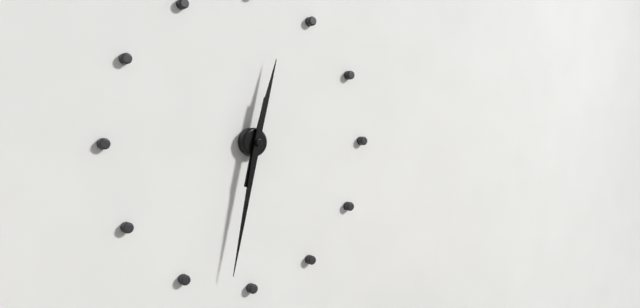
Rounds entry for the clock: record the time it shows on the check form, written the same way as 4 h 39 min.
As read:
12 h 32 min
